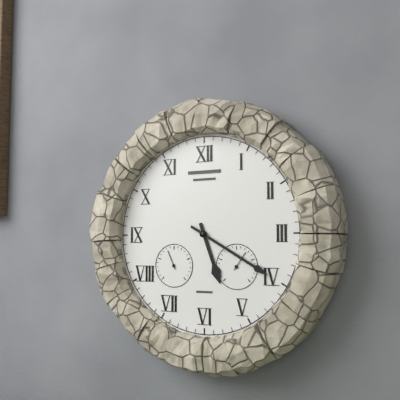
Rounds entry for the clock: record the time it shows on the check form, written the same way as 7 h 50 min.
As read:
5 h 20 min
